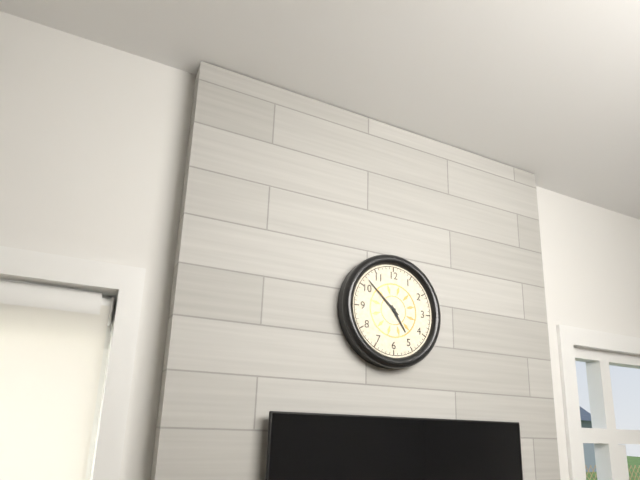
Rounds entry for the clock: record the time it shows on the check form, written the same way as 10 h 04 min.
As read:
4 h 52 min
